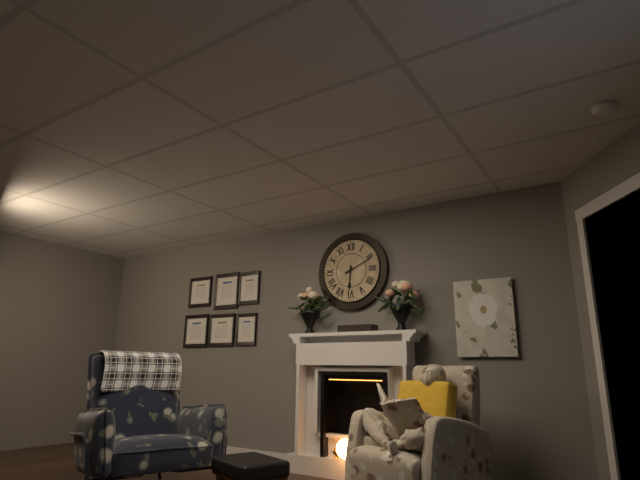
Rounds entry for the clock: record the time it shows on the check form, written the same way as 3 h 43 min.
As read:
6 h 11 min
